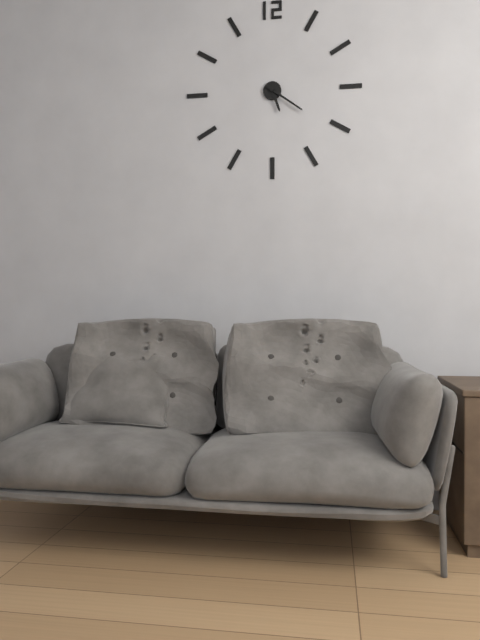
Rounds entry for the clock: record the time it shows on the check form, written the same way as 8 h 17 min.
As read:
5 h 21 min
